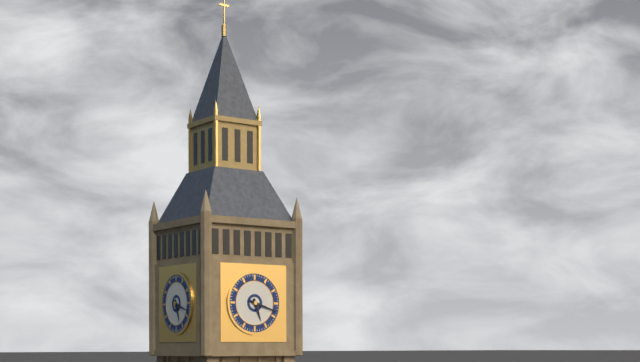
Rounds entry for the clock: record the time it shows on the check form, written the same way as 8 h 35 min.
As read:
5 h 18 min
